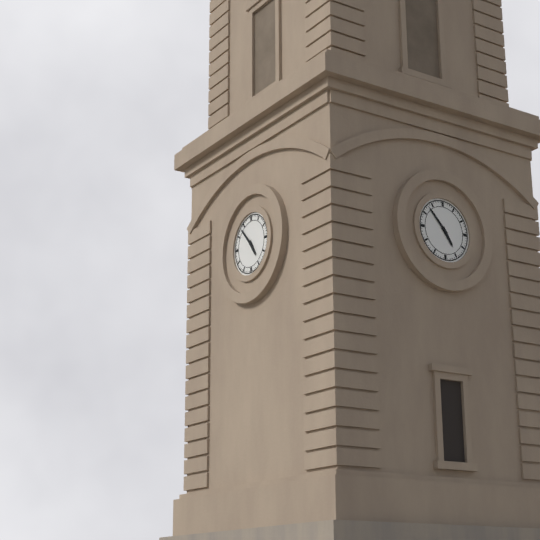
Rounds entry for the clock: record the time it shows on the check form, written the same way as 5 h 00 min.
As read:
4 h 53 min
